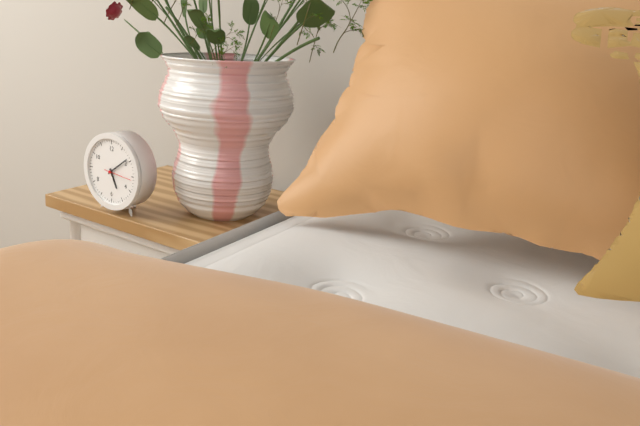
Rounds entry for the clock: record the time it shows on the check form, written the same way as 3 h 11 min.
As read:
5 h 09 min
